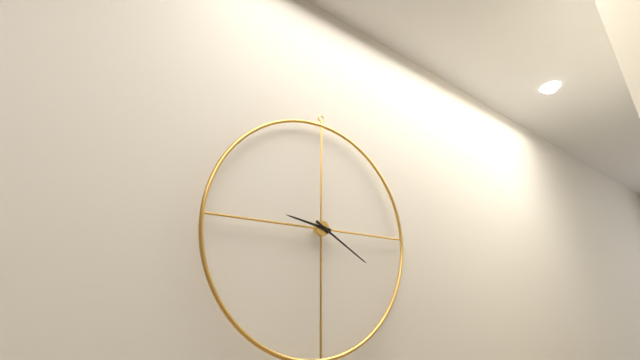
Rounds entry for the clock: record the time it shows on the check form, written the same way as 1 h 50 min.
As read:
9 h 20 min
